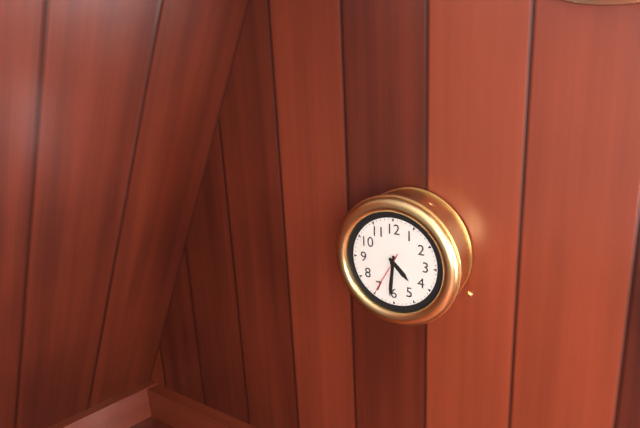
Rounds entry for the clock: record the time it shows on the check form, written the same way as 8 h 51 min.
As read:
4 h 31 min
